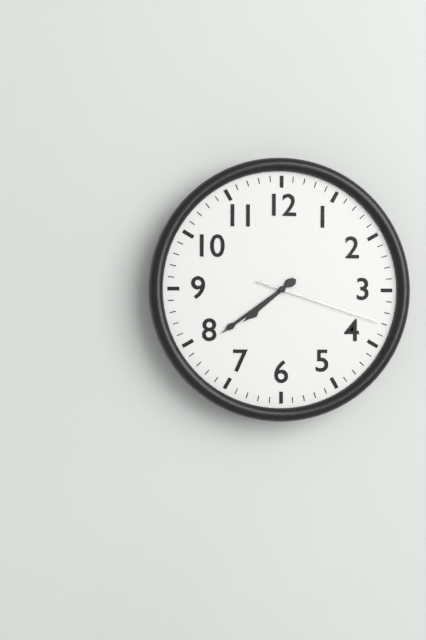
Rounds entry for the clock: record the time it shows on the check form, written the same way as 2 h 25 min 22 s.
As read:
7 h 39 min 18 s
